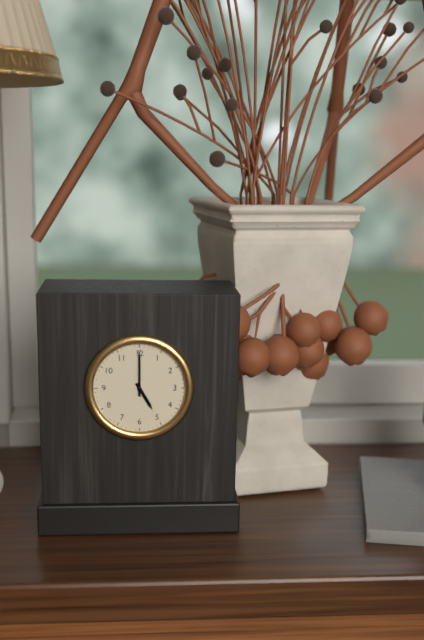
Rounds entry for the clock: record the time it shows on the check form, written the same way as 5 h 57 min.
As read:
5 h 00 min
